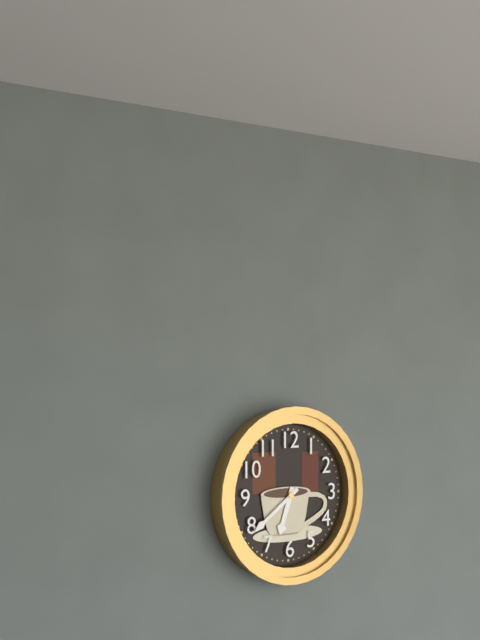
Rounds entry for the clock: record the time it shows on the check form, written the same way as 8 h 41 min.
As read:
6 h 39 min
